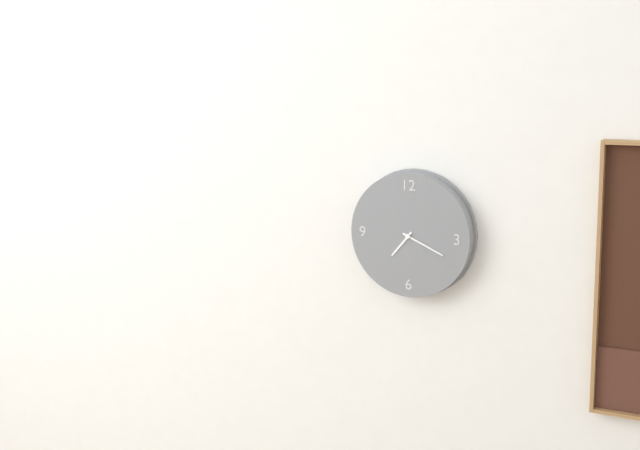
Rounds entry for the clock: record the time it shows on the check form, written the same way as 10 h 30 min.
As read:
7 h 19 min
